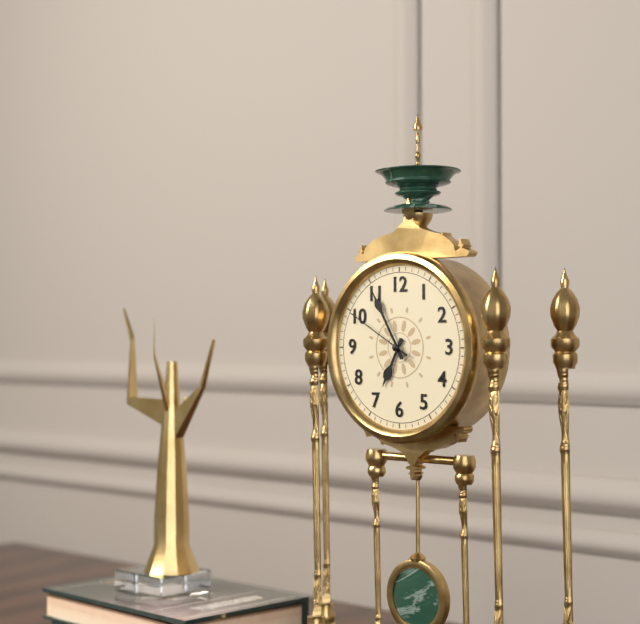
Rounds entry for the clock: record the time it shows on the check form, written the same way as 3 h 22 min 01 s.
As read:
6 h 55 min 50 s
